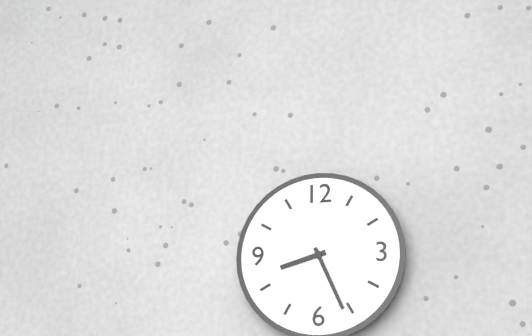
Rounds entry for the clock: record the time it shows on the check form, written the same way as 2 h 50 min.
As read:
8 h 26 min
